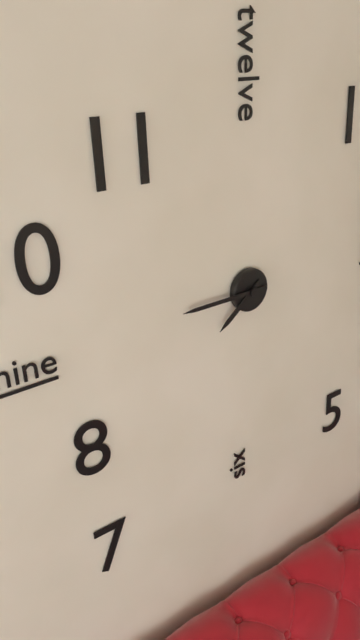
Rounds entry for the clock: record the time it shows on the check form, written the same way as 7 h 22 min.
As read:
7 h 45 min
